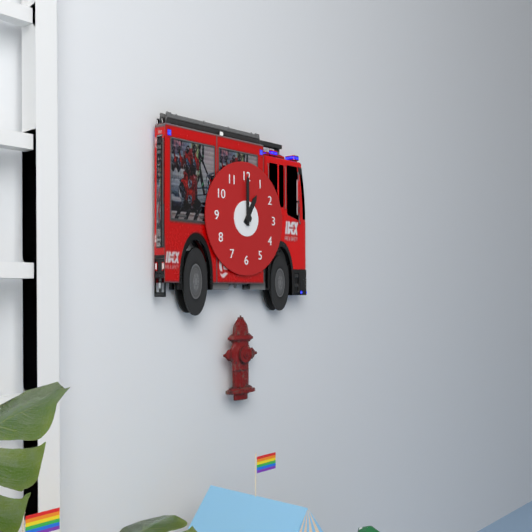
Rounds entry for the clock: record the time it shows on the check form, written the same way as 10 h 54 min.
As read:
1 h 00 min
